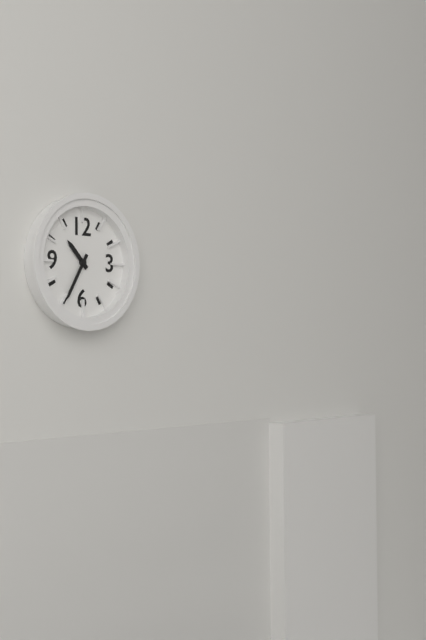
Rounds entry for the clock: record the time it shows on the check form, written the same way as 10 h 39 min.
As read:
10 h 35 min
